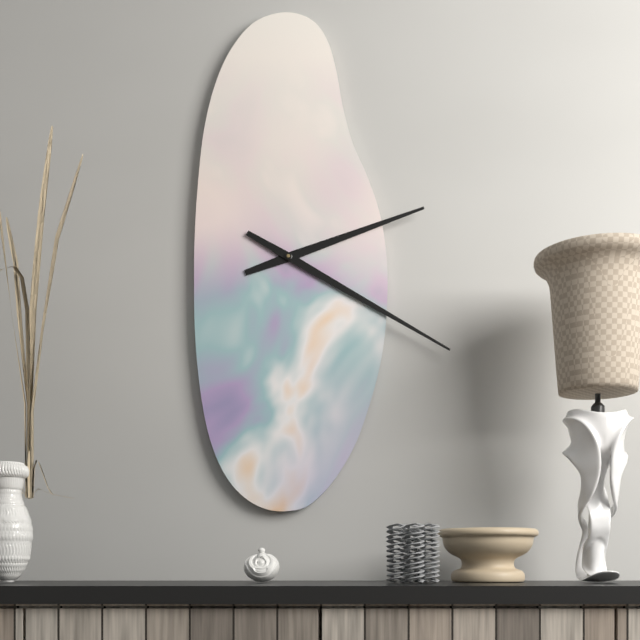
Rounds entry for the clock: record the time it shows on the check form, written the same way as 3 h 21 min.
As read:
2 h 20 min
